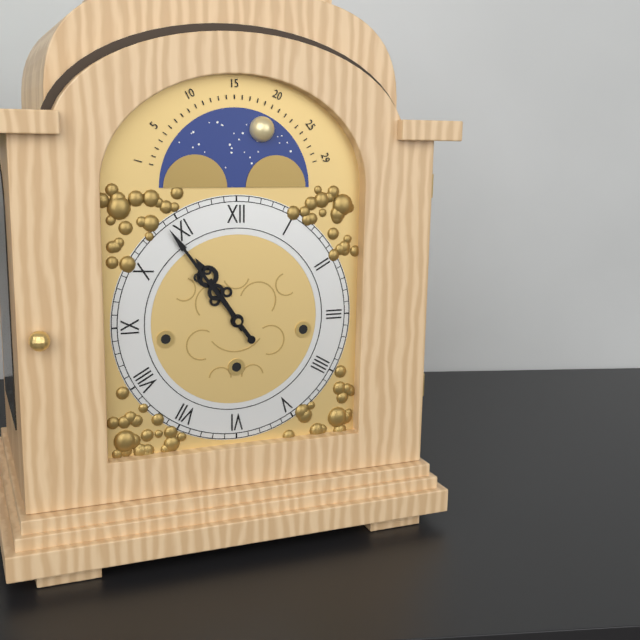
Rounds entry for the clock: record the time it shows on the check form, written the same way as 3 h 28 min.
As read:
10 h 54 min
